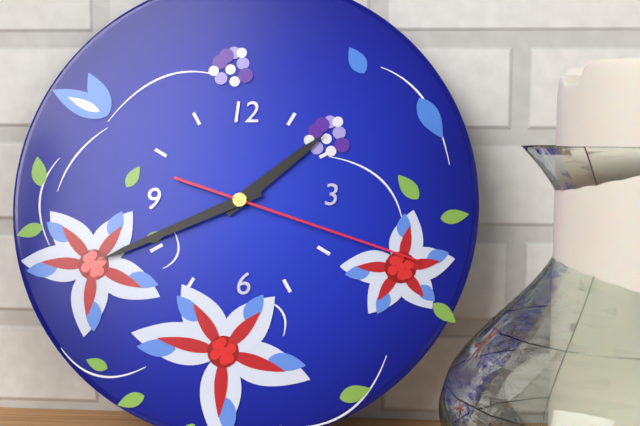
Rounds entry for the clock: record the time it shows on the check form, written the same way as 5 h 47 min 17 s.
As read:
1 h 41 min 18 s
